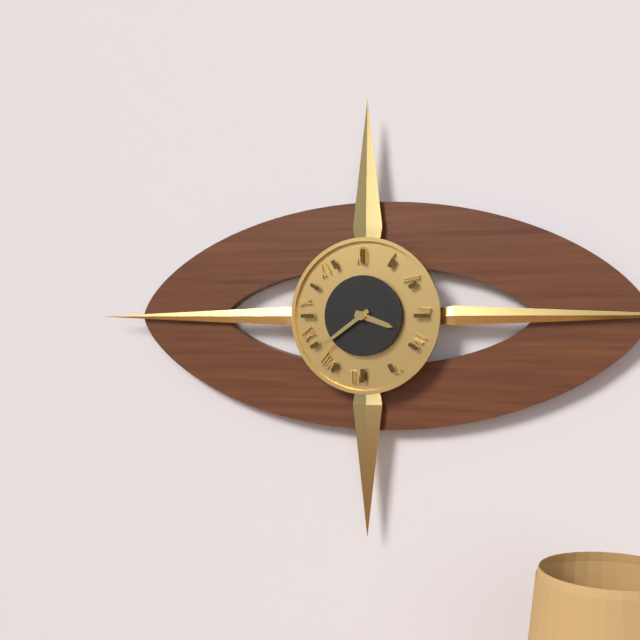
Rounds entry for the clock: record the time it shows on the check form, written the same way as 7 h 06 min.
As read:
3 h 39 min
